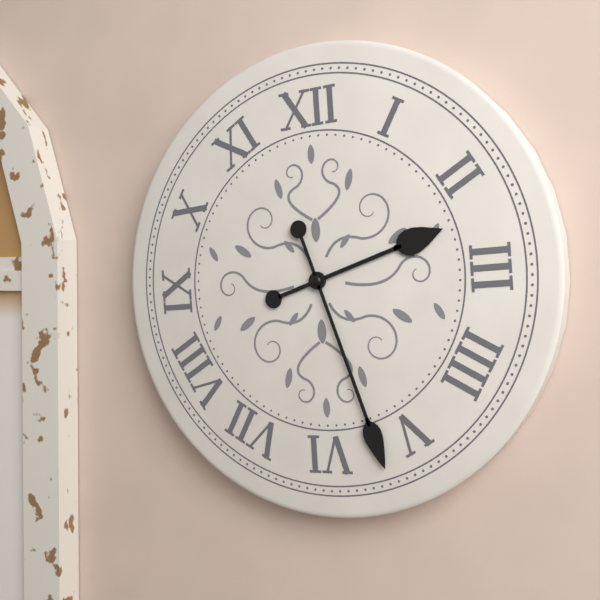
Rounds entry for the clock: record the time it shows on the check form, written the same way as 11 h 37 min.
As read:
2 h 27 min
